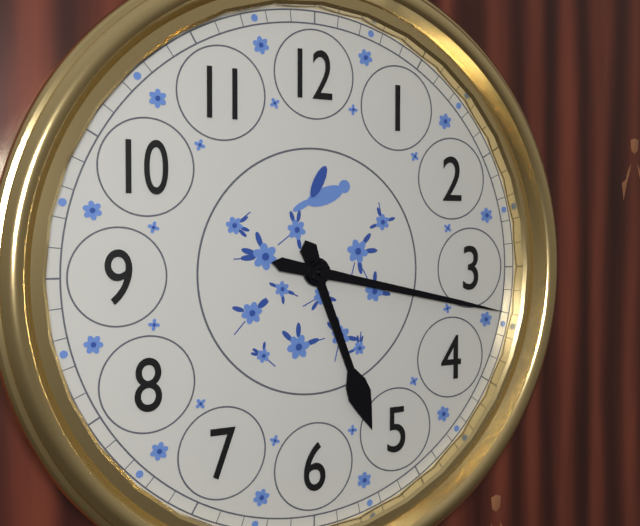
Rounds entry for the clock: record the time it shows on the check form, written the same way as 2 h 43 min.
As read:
5 h 17 min
